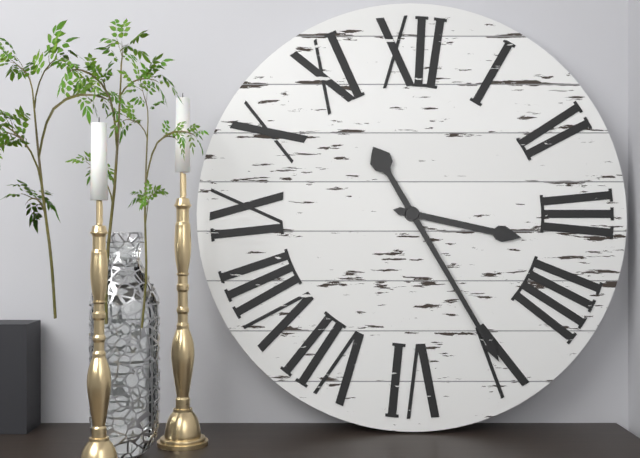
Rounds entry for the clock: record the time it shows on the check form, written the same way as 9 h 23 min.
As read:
3 h 25 min
